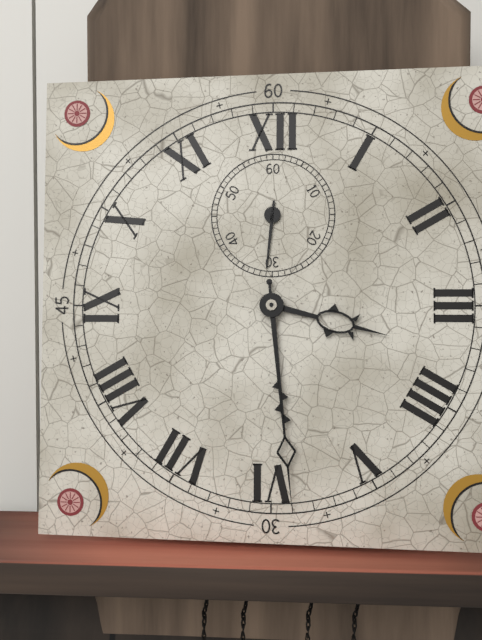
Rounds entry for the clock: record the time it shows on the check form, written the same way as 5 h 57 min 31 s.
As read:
3 h 29 min 31 s
